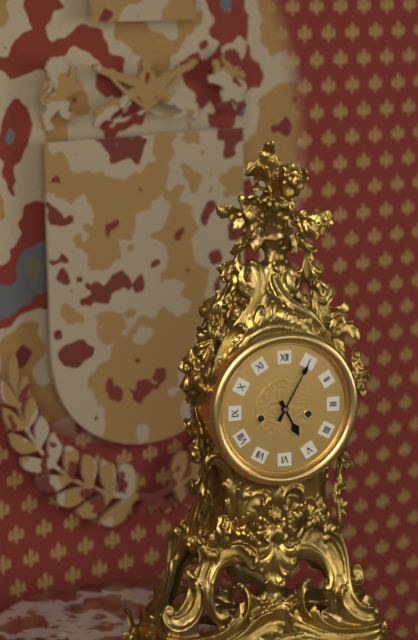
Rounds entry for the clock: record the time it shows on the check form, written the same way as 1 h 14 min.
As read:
5 h 05 min
